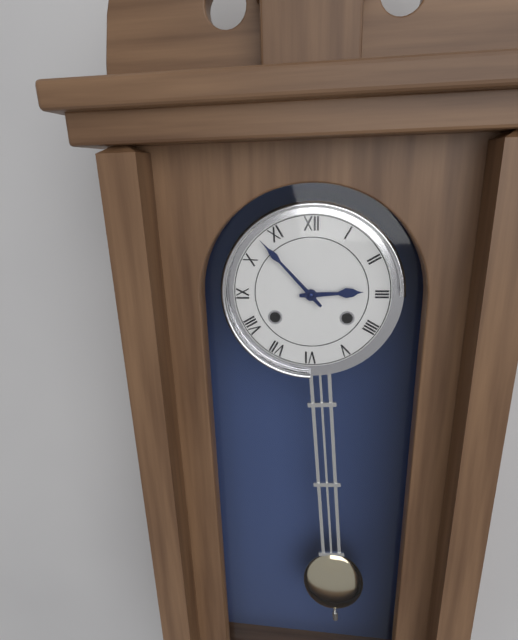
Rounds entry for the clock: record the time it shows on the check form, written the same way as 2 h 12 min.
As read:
2 h 53 min
